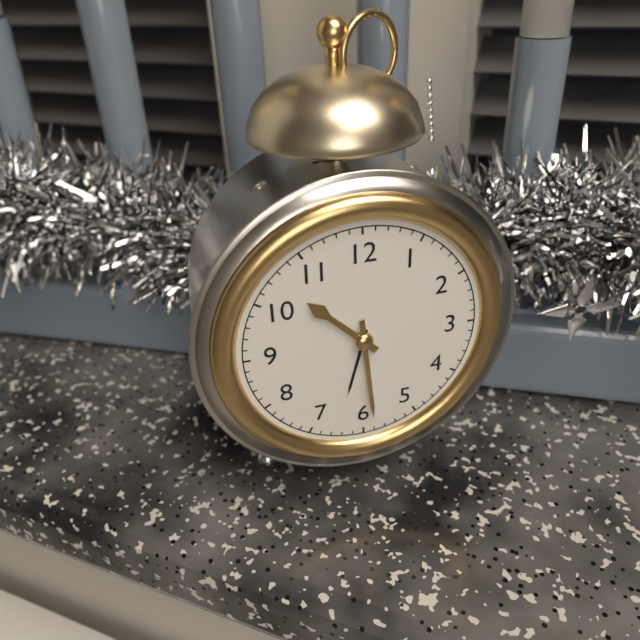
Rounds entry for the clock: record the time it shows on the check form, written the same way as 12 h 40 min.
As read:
10 h 29 min
